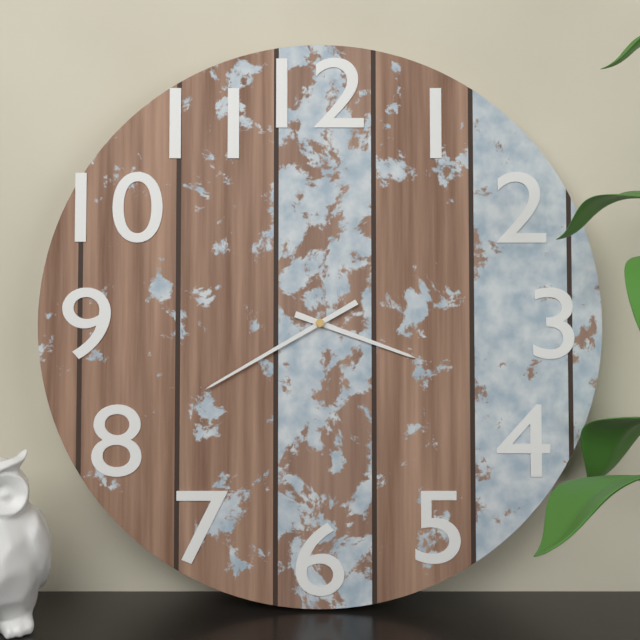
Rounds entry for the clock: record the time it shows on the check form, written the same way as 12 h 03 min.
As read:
3 h 40 min
